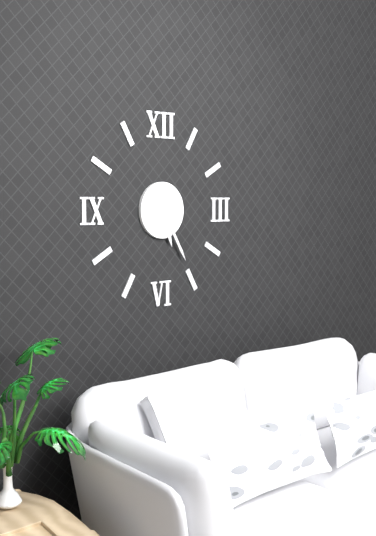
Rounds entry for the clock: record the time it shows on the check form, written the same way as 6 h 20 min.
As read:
5 h 25 min
